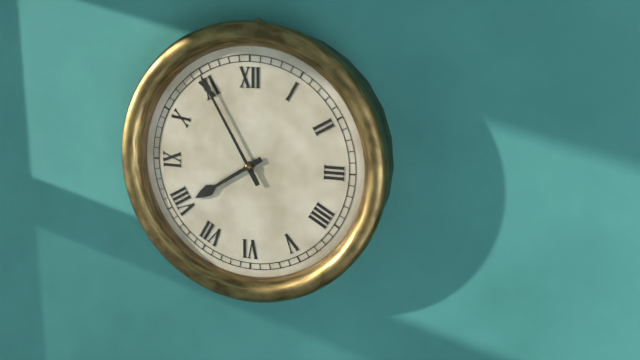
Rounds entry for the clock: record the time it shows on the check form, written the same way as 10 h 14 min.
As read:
7 h 55 min
